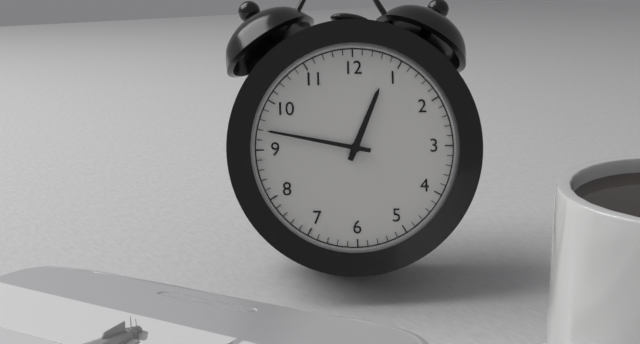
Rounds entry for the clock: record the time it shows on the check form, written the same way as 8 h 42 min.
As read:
12 h 47 min
